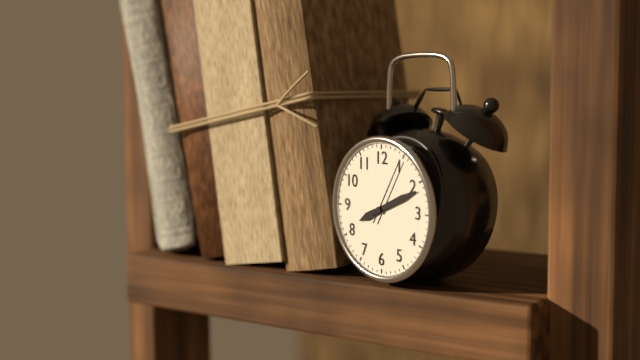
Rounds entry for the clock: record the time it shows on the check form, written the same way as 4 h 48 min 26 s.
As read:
8 h 11 min 05 s
